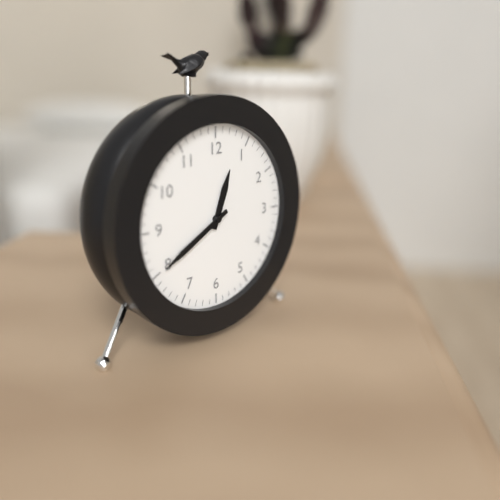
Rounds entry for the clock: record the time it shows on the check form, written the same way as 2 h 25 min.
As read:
12 h 40 min
